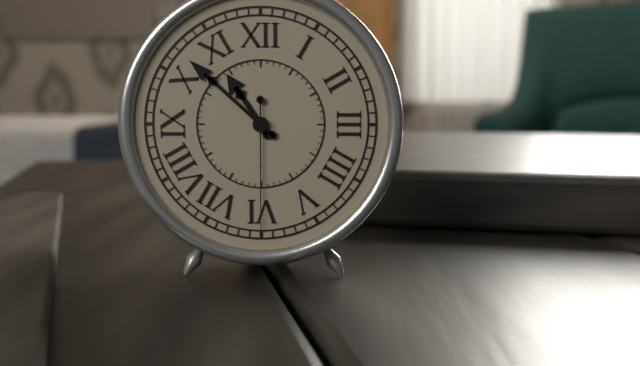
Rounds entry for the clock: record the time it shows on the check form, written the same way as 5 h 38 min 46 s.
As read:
10 h 52 min 30 s
